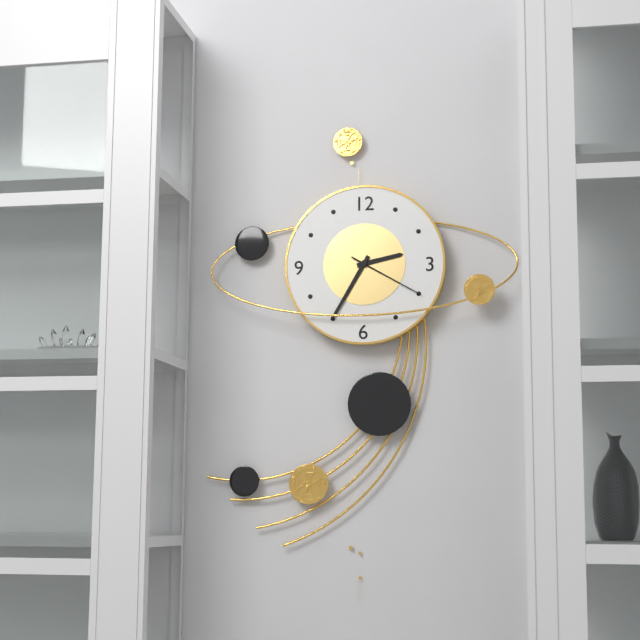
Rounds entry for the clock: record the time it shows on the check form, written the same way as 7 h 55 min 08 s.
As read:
2 h 35 min 20 s
